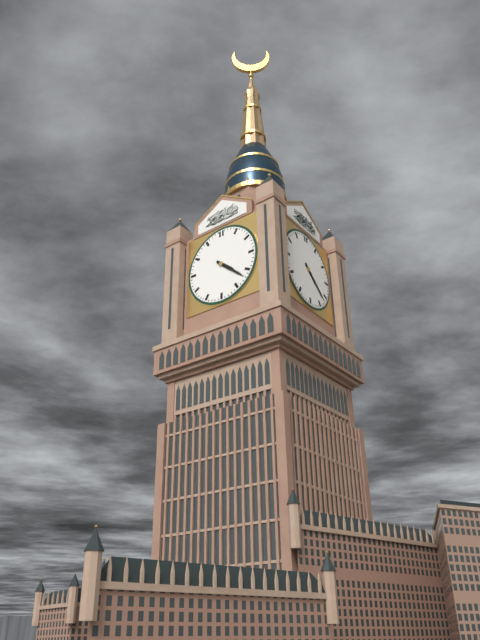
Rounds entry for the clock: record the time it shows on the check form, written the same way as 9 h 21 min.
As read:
4 h 22 min
